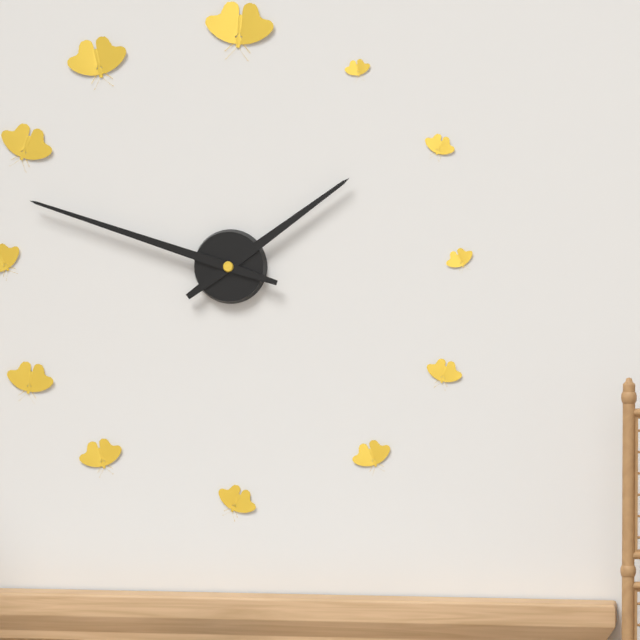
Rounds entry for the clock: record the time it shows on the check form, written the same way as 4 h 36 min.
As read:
1 h 48 min
